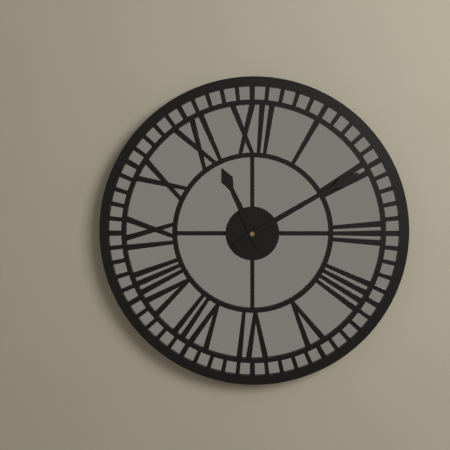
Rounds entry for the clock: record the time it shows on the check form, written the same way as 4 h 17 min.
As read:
11 h 10 min
